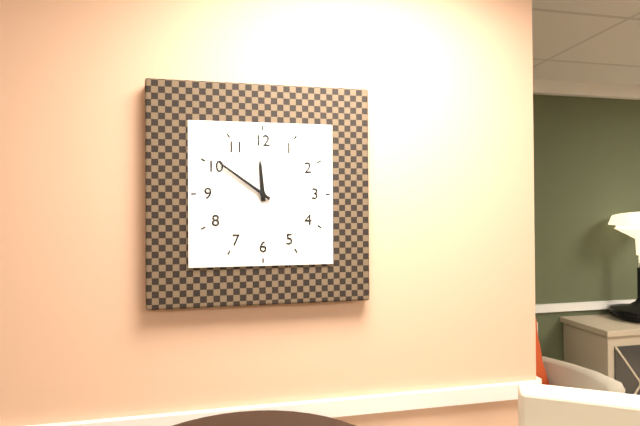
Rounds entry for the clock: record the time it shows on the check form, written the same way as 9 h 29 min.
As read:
11 h 51 min
